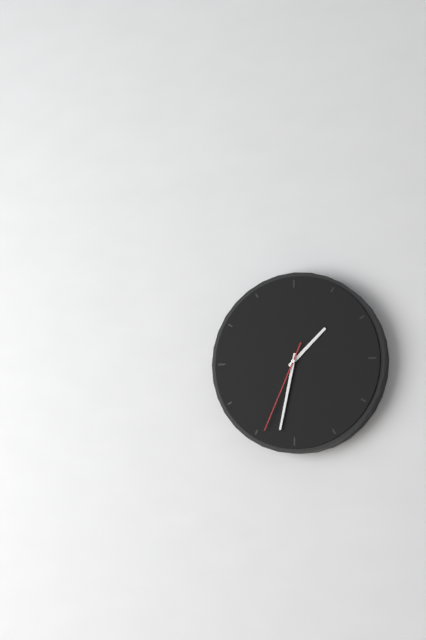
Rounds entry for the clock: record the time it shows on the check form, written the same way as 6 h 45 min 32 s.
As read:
1 h 32 min 34 s
